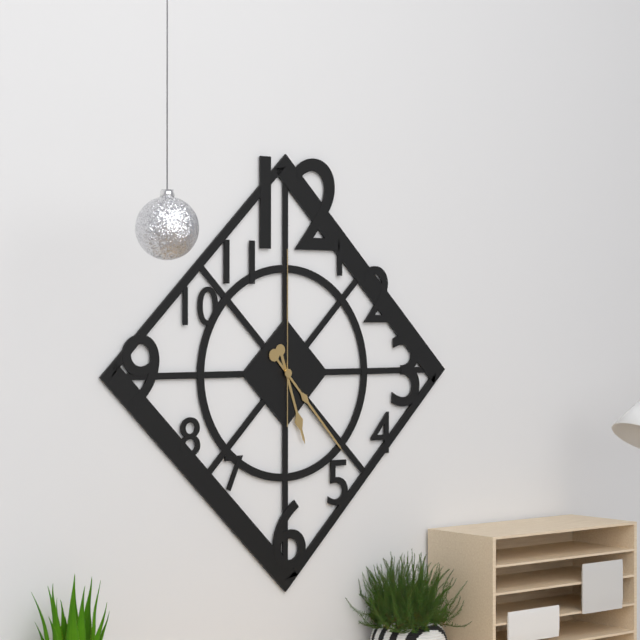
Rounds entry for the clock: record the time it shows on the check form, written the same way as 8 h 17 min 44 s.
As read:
5 h 23 min 00 s
